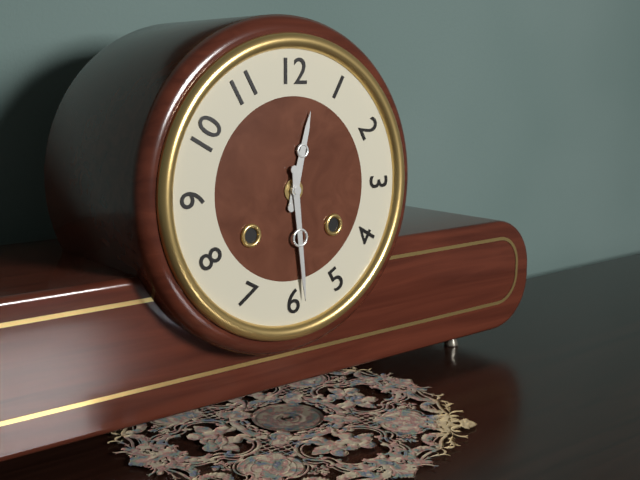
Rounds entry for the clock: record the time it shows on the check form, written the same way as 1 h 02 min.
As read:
12 h 29 min
